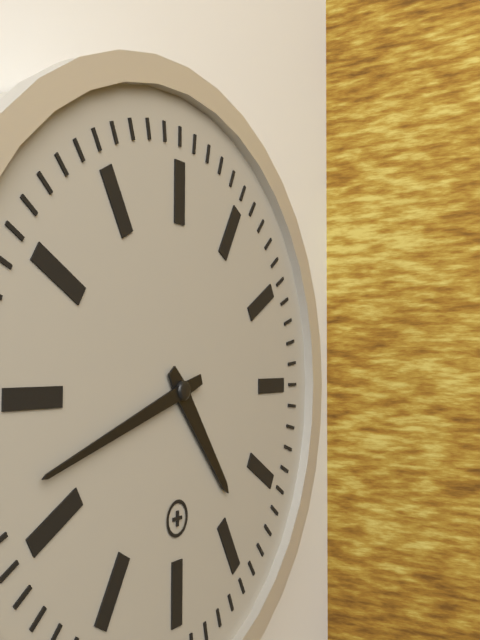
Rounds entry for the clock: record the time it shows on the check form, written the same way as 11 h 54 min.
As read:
4 h 42 min
